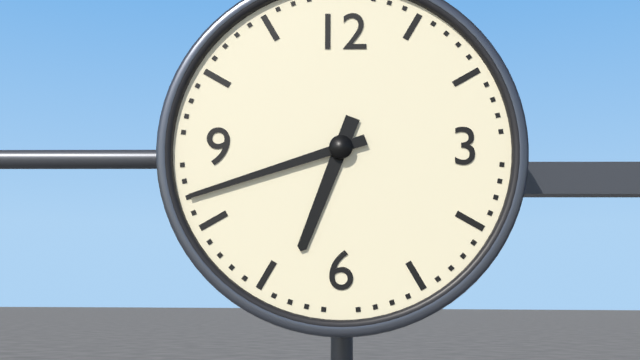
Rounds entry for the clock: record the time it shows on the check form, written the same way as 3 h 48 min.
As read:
6 h 42 min
